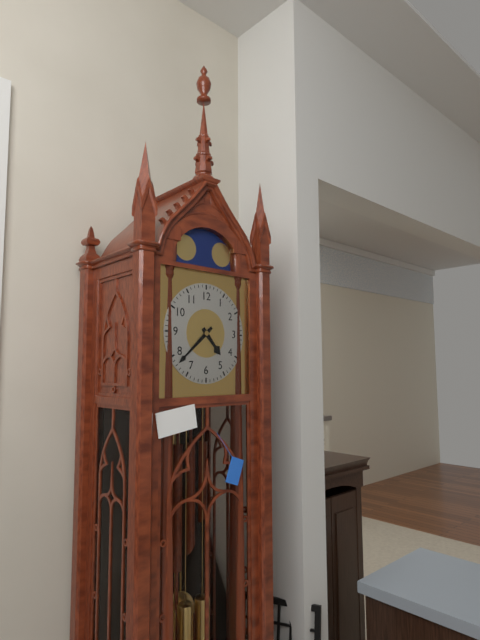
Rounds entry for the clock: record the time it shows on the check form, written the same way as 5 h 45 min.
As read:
4 h 38 min
